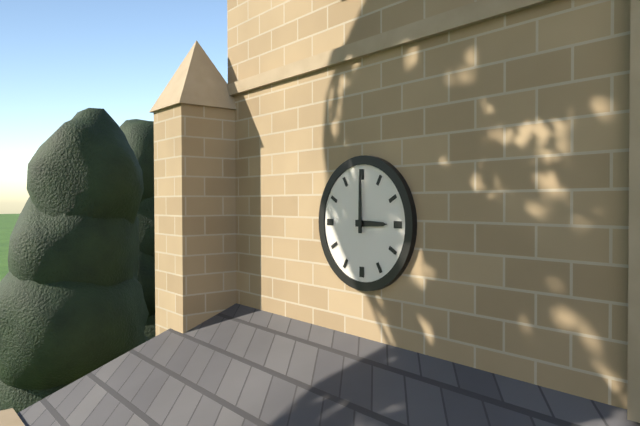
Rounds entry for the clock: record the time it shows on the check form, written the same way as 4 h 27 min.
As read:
3 h 00 min
